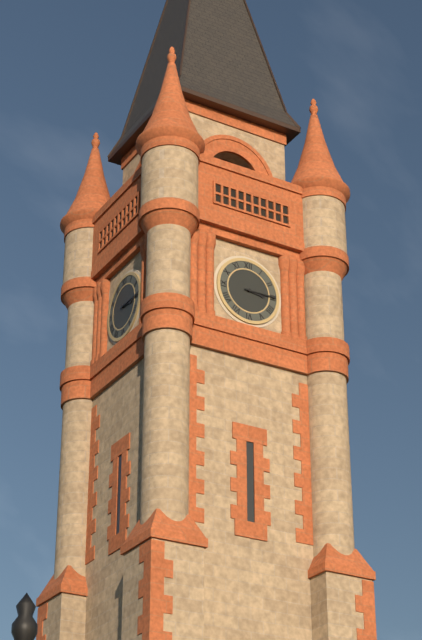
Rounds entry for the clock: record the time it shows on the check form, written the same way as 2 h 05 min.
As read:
3 h 15 min
